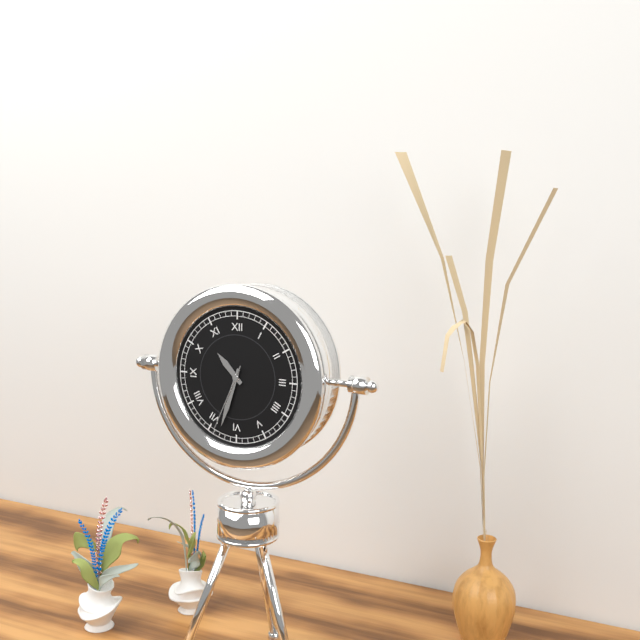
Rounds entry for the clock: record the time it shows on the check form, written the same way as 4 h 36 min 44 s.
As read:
10 h 33 min 34 s
